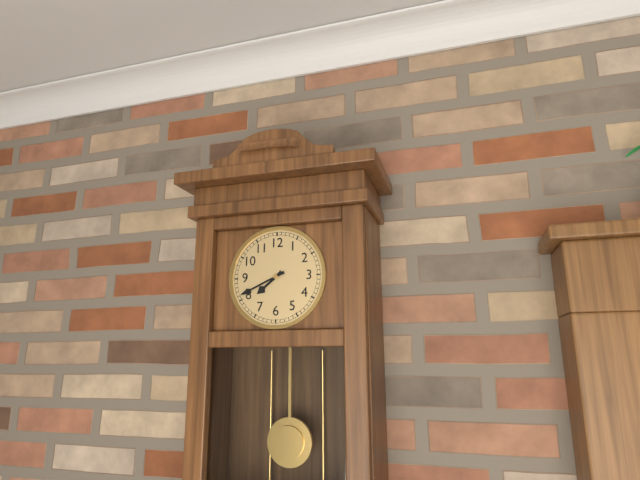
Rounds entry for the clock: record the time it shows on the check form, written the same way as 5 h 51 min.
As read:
7 h 41 min
